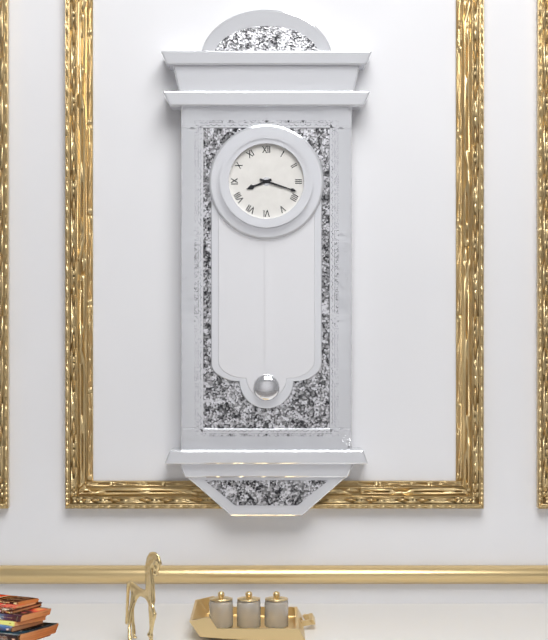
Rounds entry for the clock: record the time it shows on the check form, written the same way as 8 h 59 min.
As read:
8 h 18 min
